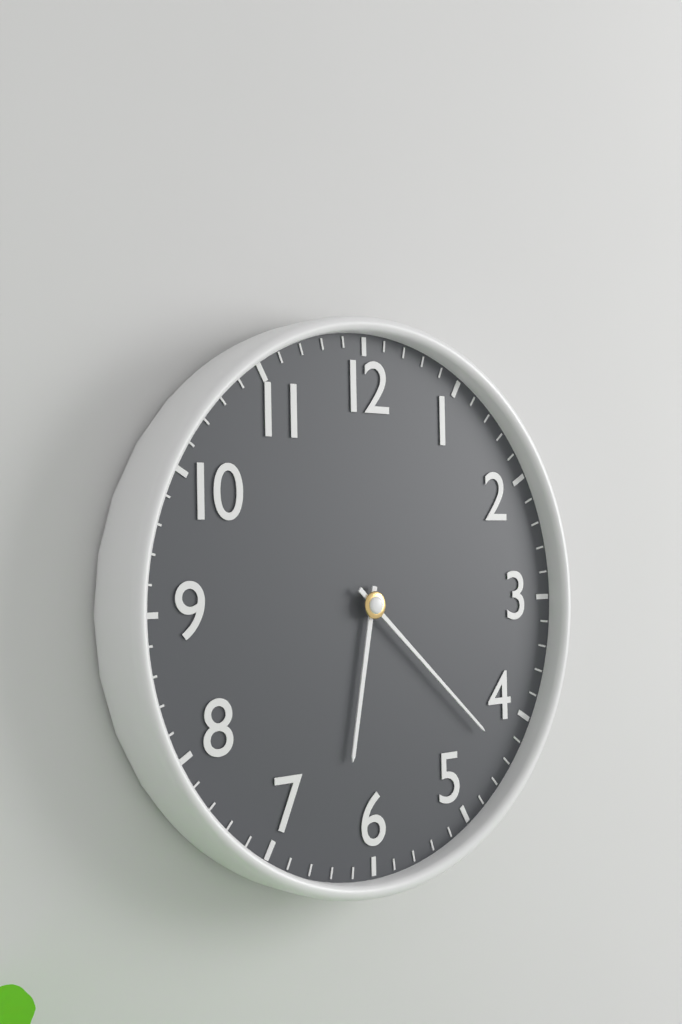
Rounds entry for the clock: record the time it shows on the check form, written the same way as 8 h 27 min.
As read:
6 h 22 min
